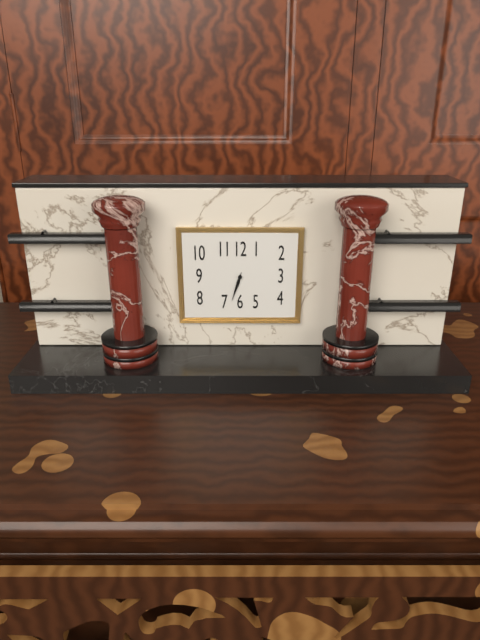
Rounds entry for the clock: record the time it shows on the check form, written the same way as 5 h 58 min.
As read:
6 h 33 min
